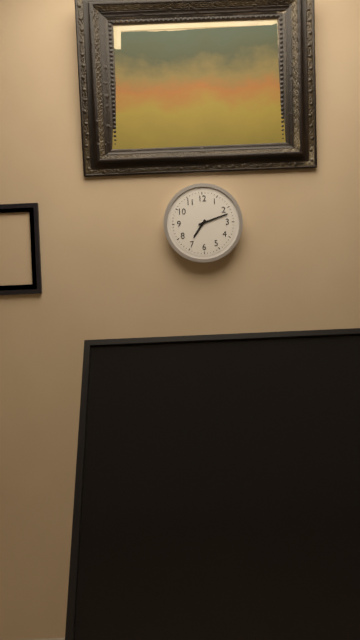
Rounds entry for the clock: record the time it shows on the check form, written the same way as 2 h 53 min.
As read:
7 h 12 min
